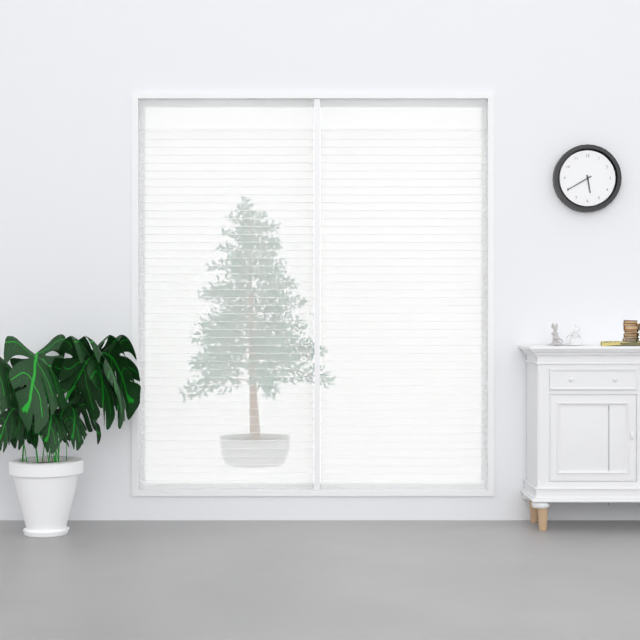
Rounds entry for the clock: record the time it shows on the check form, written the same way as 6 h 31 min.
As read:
5 h 40 min
